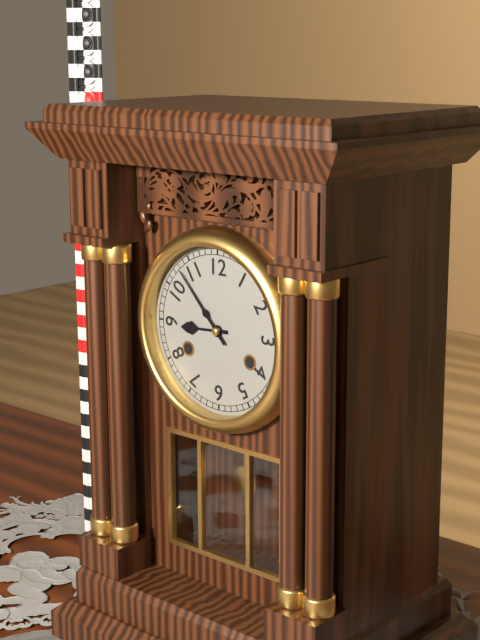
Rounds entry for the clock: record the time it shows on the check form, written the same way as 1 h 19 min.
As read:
8 h 53 min
